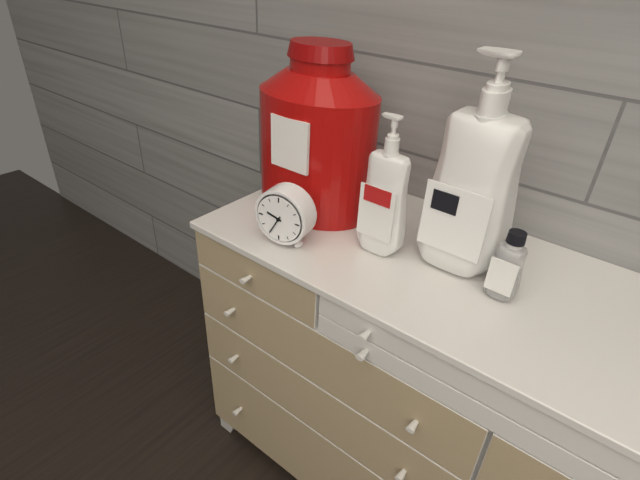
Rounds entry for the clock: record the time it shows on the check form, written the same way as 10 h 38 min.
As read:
9 h 35 min
